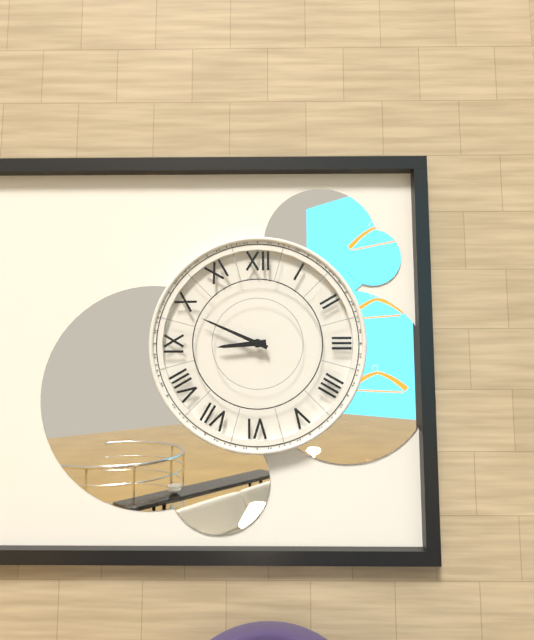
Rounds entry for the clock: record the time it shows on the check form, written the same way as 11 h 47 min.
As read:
8 h 49 min
